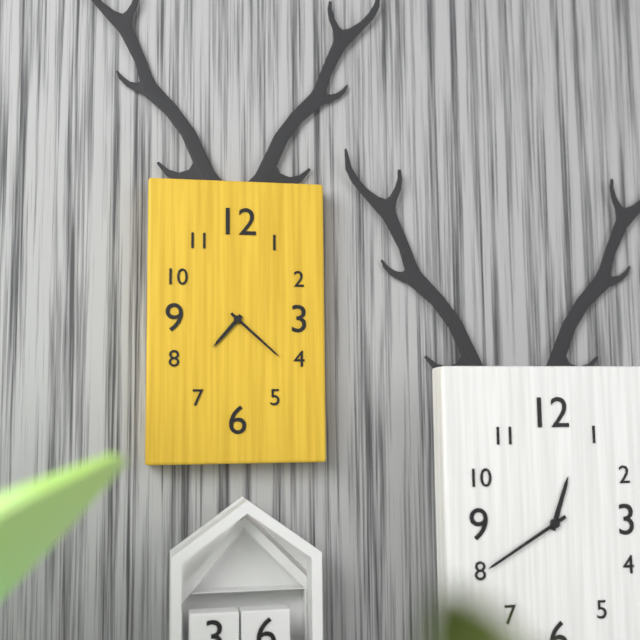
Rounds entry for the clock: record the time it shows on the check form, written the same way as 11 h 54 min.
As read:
7 h 22 min
